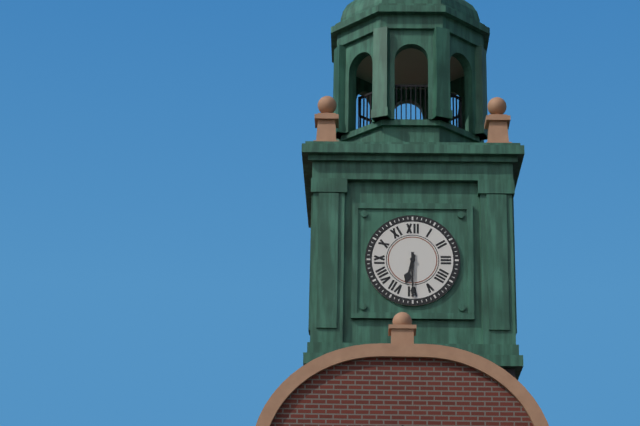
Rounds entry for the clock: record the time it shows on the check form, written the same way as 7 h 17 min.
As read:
6 h 30 min
